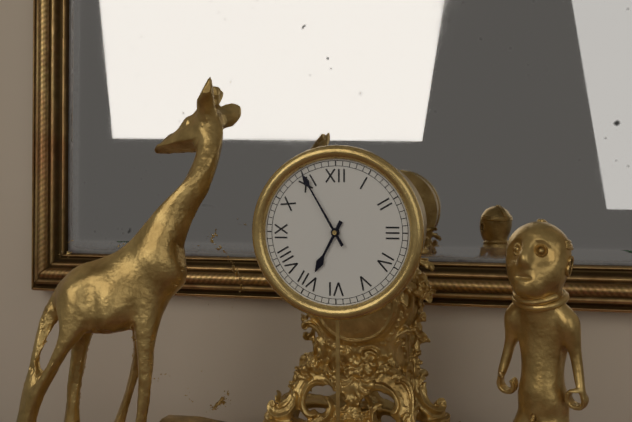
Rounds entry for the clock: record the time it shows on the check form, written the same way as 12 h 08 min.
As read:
6 h 55 min
